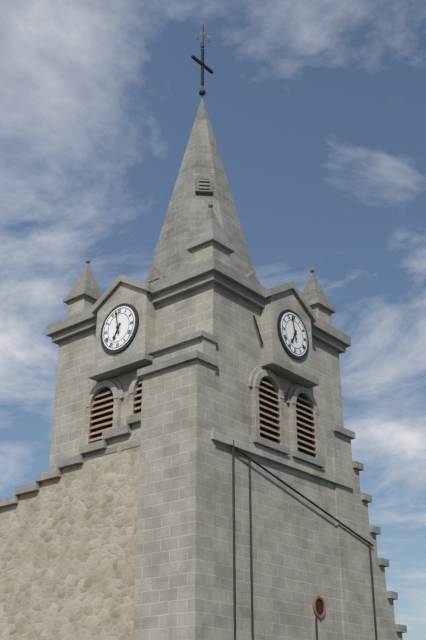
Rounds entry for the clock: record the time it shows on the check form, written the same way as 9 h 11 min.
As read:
6 h 58 min
